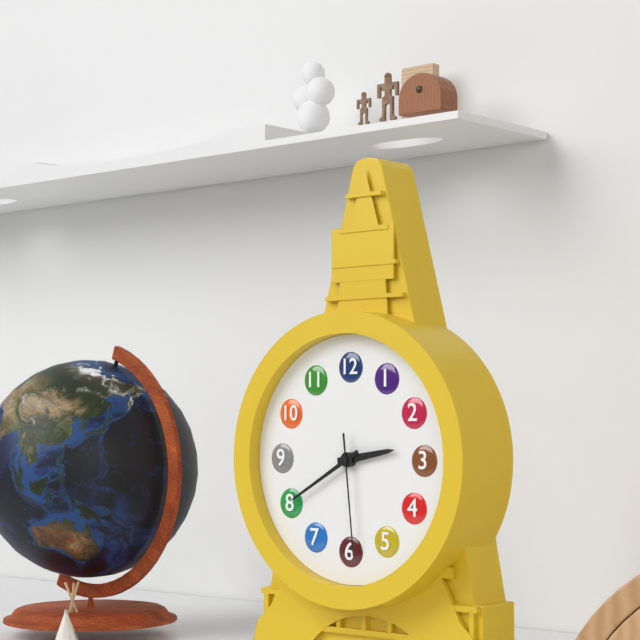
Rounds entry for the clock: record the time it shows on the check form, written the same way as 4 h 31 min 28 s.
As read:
2 h 40 min 29 s
